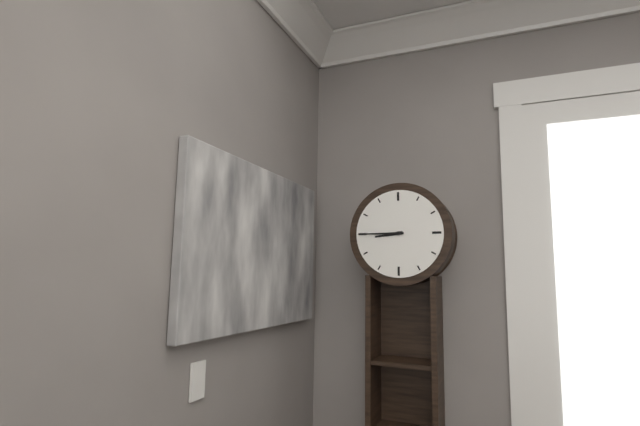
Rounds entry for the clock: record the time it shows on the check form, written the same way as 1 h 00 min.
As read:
8 h 45 min
